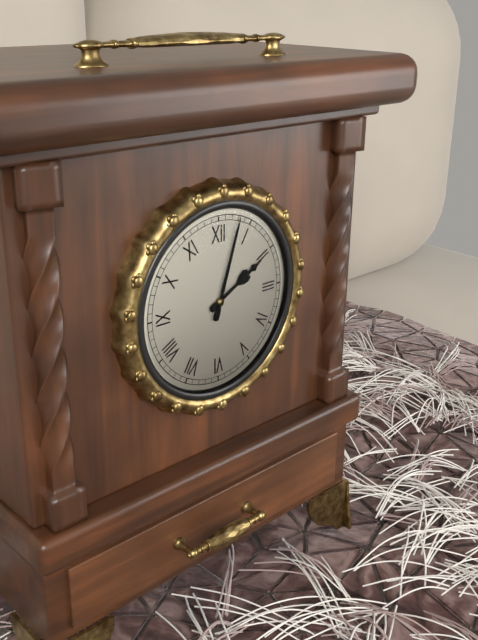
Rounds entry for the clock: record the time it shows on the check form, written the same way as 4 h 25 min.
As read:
2 h 03 min
